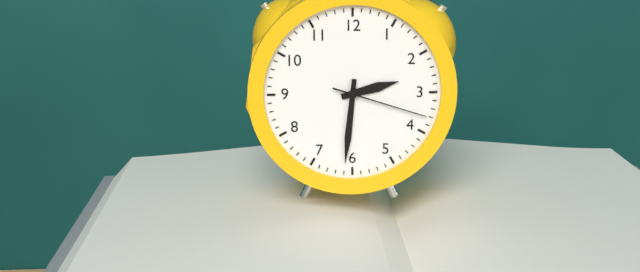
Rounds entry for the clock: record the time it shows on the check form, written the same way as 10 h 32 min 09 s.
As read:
2 h 31 min 18 s
